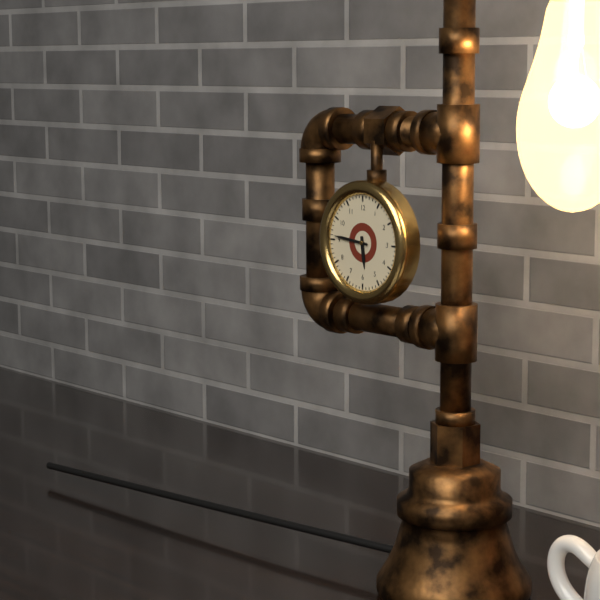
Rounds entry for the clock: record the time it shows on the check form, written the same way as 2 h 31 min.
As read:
5 h 46 min
